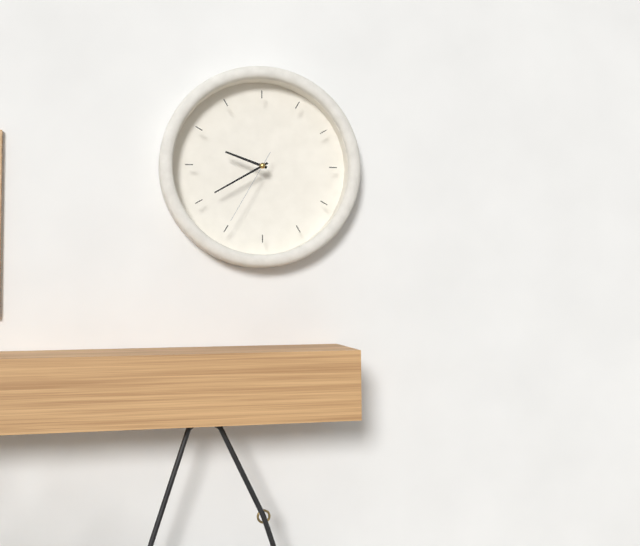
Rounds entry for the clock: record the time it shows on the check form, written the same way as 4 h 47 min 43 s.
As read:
9 h 40 min 35 s
